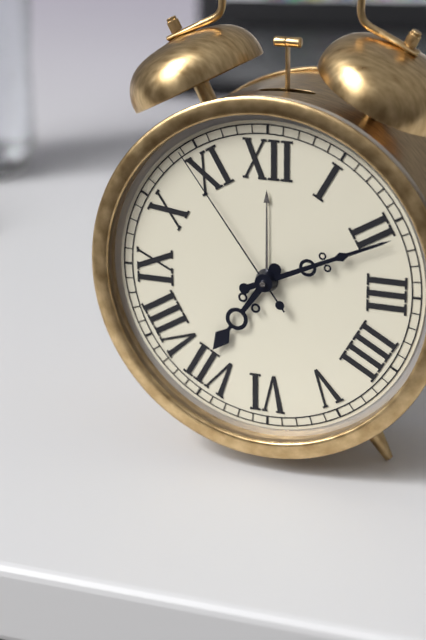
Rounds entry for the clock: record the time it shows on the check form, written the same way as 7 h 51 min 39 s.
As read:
7 h 11 min 54 s
